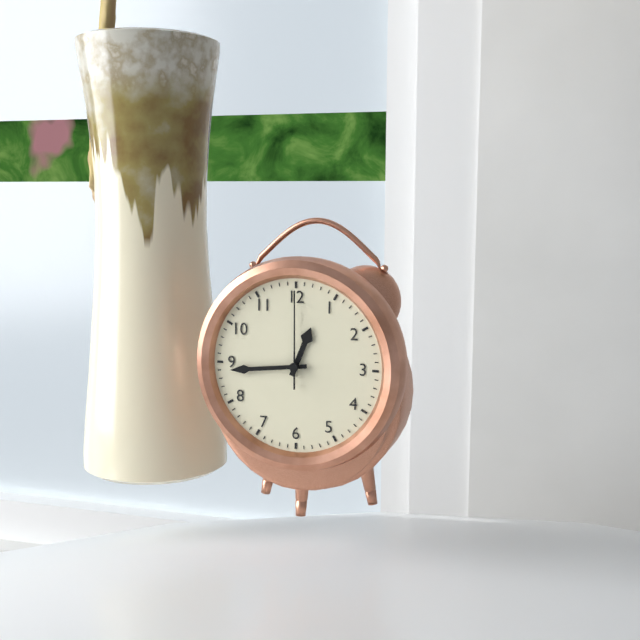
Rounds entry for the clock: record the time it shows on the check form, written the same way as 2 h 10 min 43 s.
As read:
12 h 44 min 00 s
